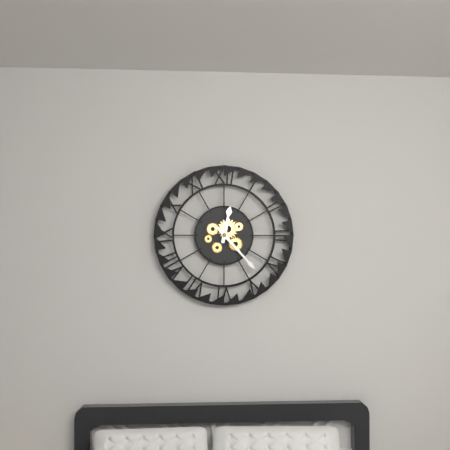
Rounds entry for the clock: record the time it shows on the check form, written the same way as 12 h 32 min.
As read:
12 h 23 min
